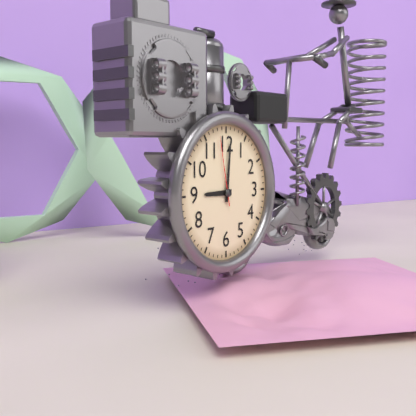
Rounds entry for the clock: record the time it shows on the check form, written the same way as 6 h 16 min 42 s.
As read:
9 h 01 min 58 s
